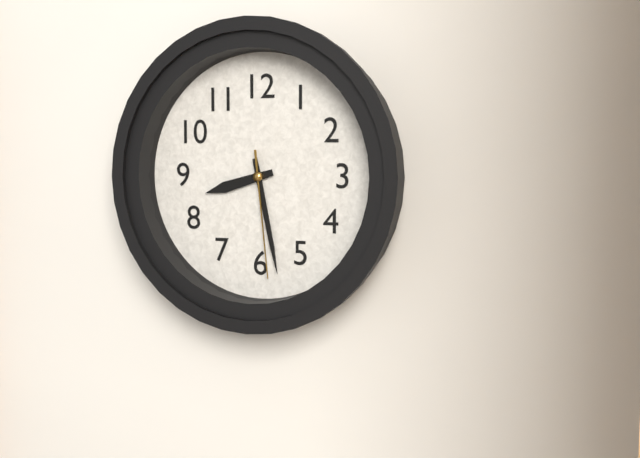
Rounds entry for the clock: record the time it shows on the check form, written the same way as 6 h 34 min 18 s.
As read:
8 h 28 min 29 s
